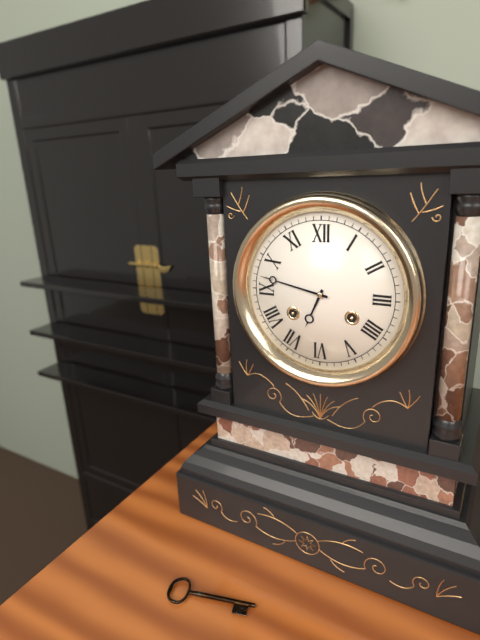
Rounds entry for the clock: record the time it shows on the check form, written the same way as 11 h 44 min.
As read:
6 h 47 min
